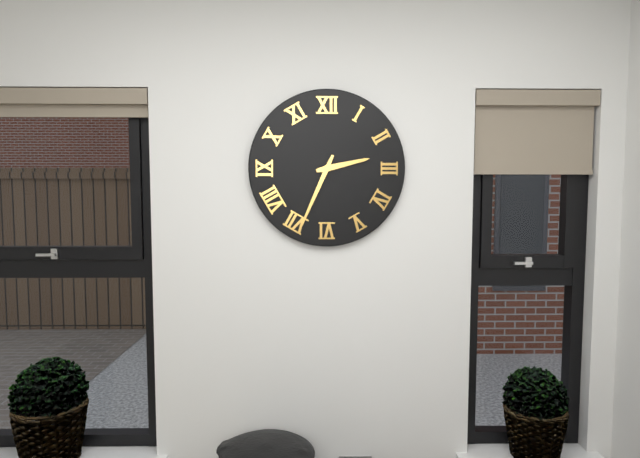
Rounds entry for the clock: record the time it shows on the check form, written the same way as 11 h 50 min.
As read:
2 h 34 min
